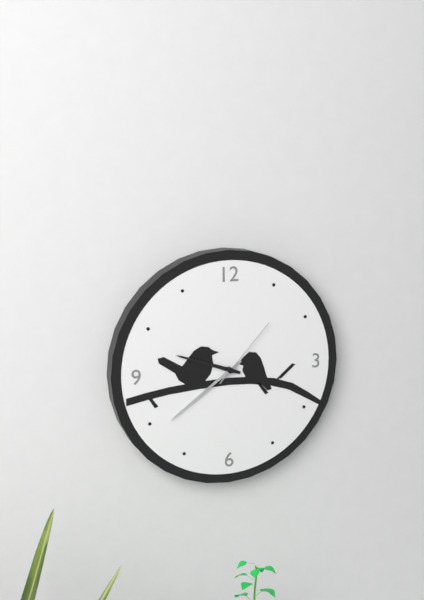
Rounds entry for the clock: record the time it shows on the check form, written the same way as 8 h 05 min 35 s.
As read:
9 h 39 min 07 s
